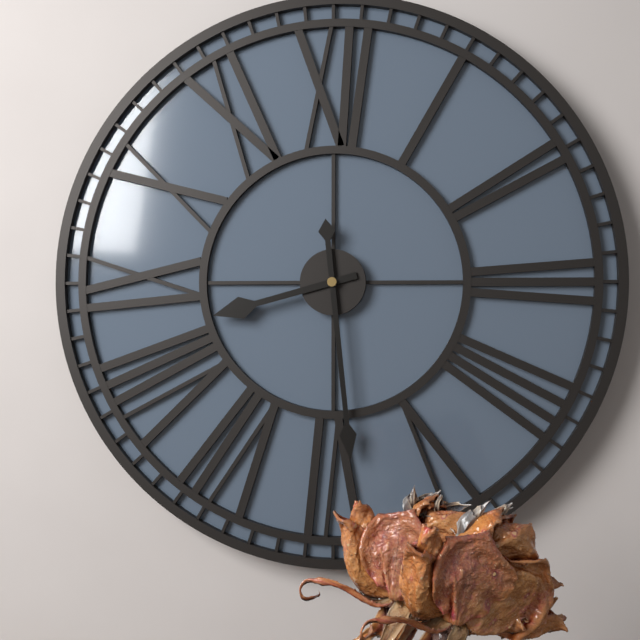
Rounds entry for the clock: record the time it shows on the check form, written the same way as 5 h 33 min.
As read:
8 h 29 min
